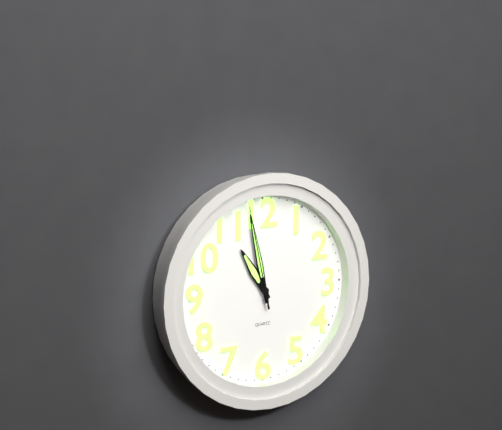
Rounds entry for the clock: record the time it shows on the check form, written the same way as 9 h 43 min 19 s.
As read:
10 h 58 min 58 s
